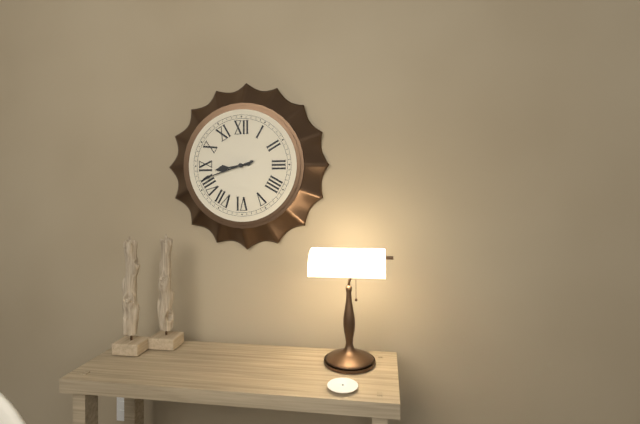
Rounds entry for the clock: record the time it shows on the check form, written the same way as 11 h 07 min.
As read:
8 h 42 min
